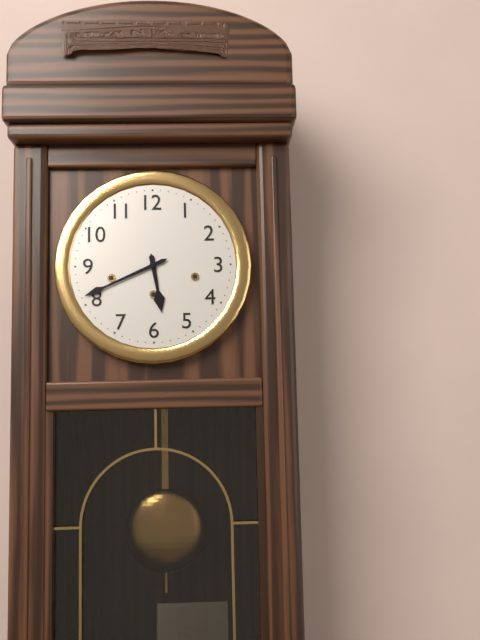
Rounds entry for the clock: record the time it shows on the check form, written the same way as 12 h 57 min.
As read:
5 h 41 min
